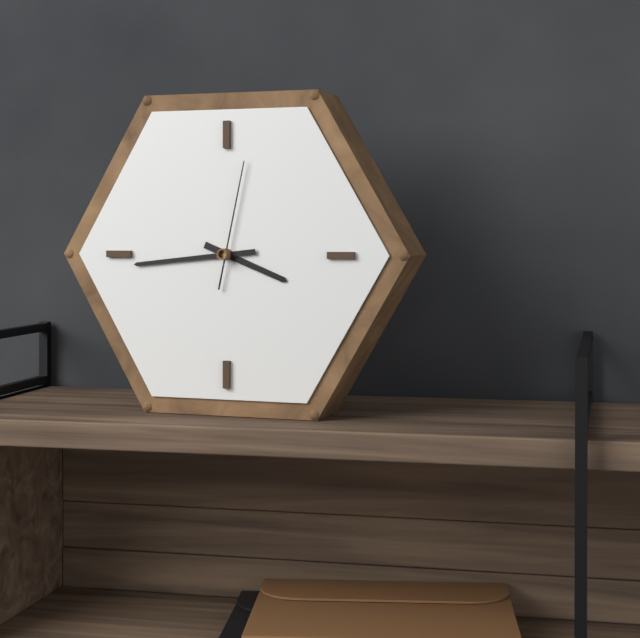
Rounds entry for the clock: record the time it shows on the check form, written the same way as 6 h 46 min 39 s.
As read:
3 h 44 min 02 s
